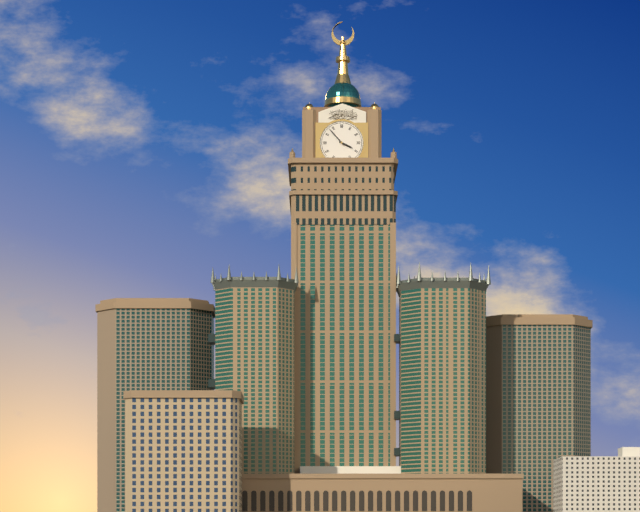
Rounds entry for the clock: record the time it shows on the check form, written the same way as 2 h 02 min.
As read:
3 h 53 min
